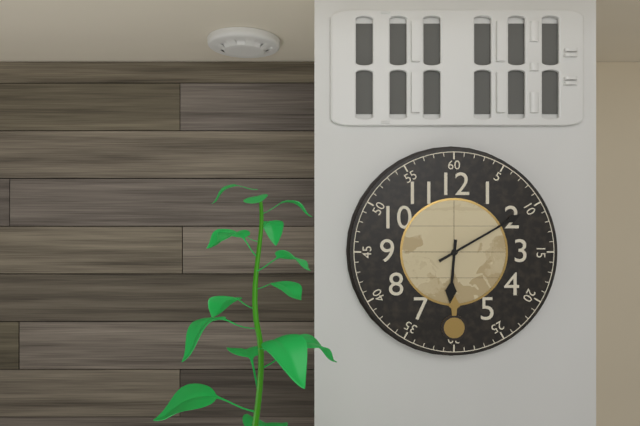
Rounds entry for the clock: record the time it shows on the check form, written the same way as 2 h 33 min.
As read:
6 h 10 min
